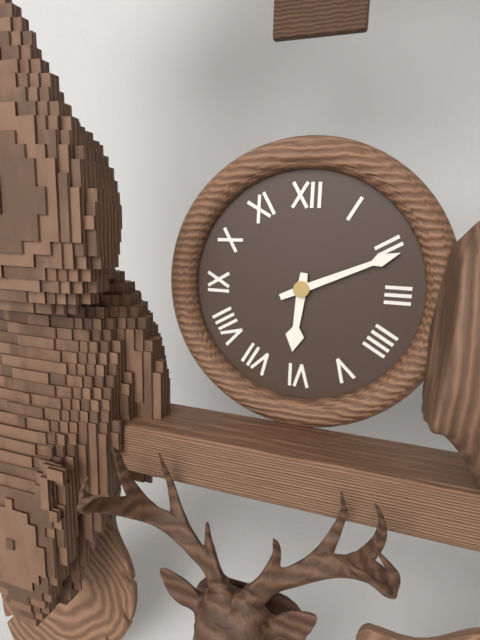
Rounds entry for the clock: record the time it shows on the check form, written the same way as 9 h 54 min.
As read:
6 h 11 min
